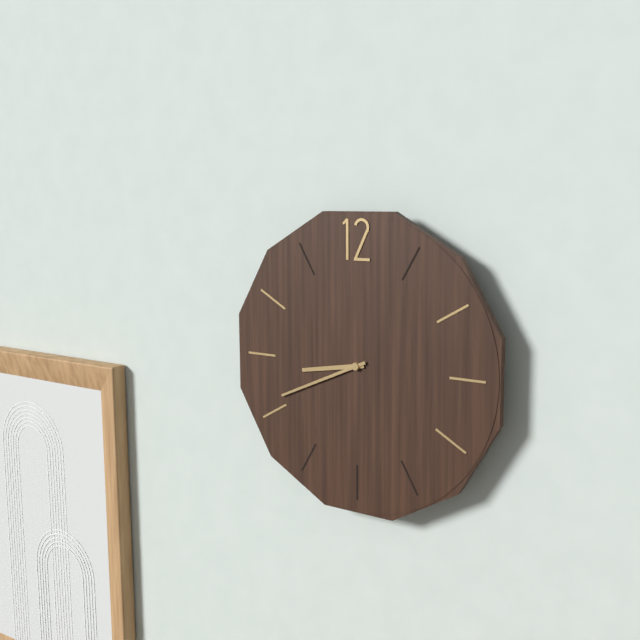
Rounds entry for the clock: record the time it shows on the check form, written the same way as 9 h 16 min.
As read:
8 h 41 min
